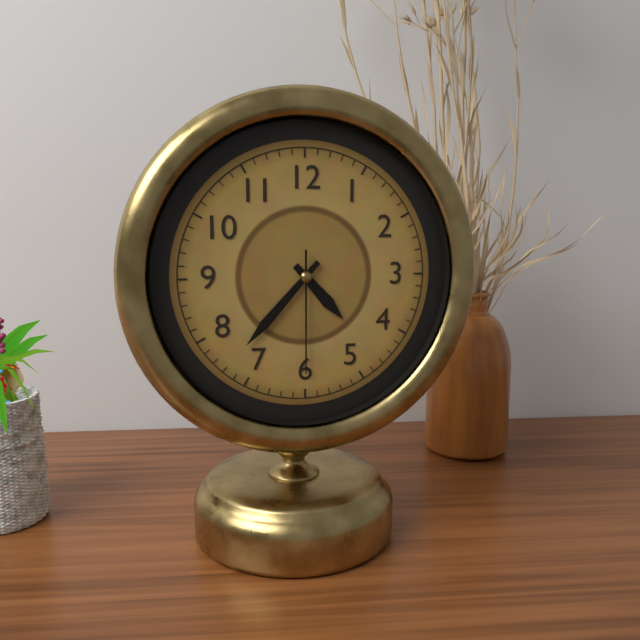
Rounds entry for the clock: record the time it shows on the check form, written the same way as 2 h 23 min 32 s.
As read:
4 h 37 min 30 s
